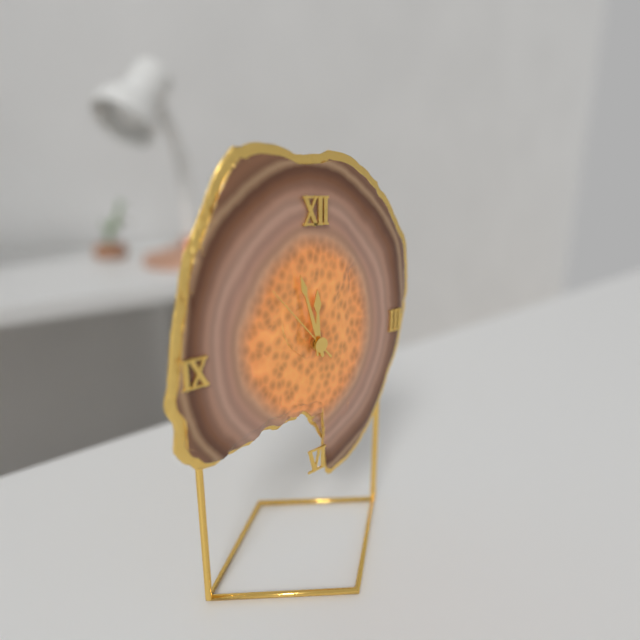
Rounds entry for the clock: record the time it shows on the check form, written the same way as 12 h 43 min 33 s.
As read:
11 h 57 min 53 s
